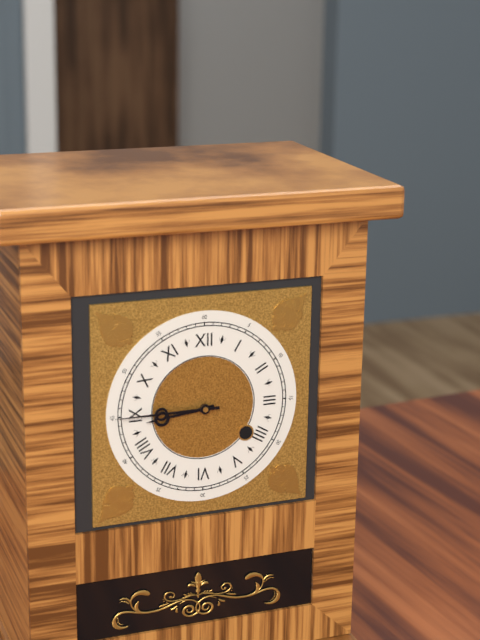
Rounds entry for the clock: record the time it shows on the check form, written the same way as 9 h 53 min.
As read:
8 h 45 min
